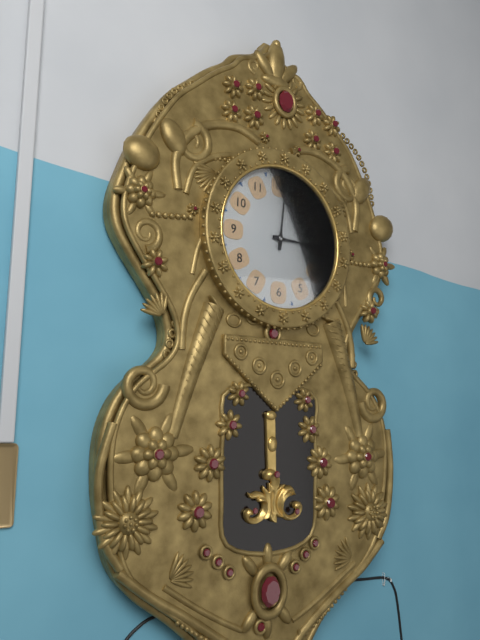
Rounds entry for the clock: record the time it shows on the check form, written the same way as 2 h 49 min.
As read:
3 h 01 min
